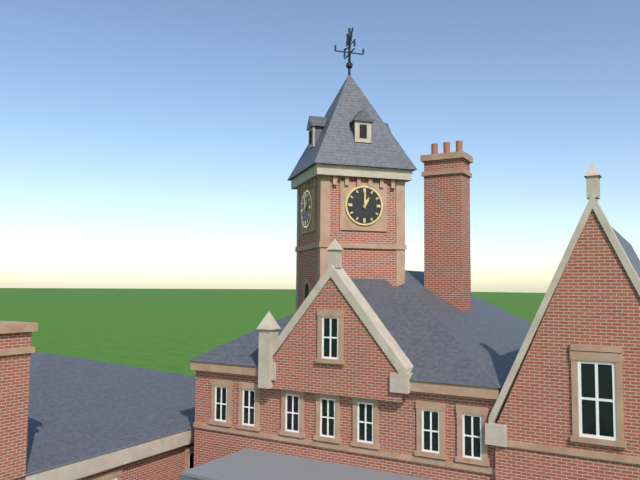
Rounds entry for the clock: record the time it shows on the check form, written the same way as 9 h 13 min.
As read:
1 h 00 min
